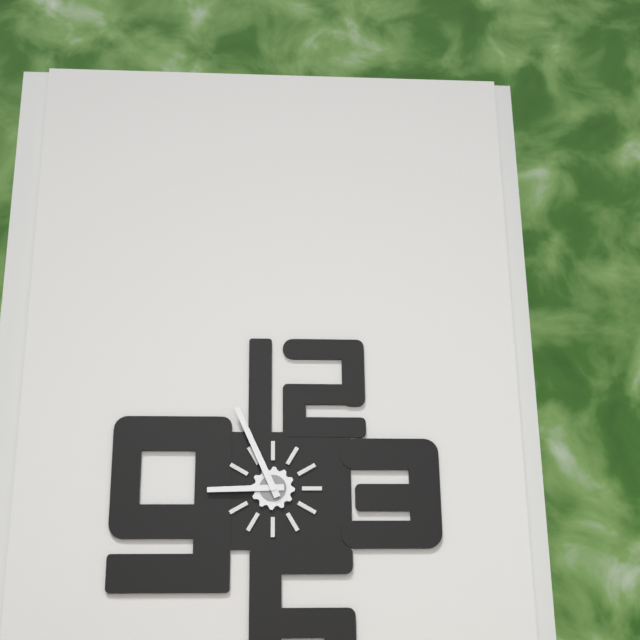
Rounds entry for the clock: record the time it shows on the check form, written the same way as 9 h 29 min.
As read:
8 h 56 min
